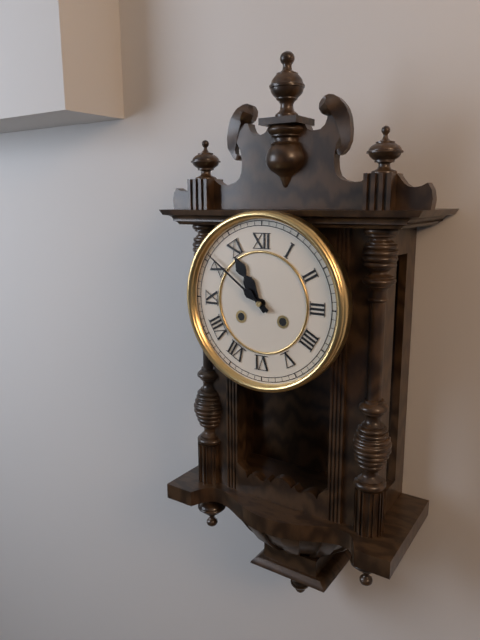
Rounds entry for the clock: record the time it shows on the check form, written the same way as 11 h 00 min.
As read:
10 h 51 min
